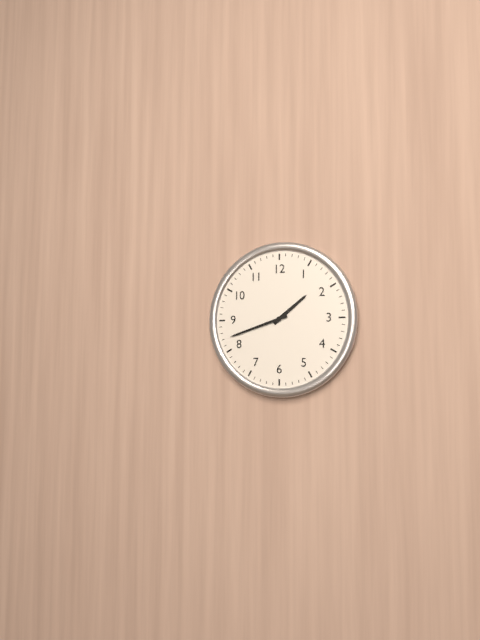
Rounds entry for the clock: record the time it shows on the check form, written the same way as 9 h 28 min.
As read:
1 h 42 min
